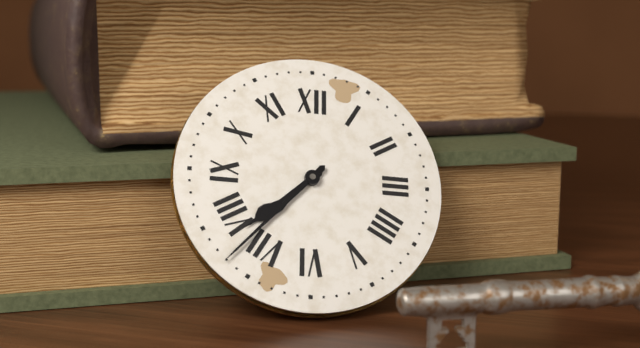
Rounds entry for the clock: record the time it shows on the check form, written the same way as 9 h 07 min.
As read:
7 h 37 min
